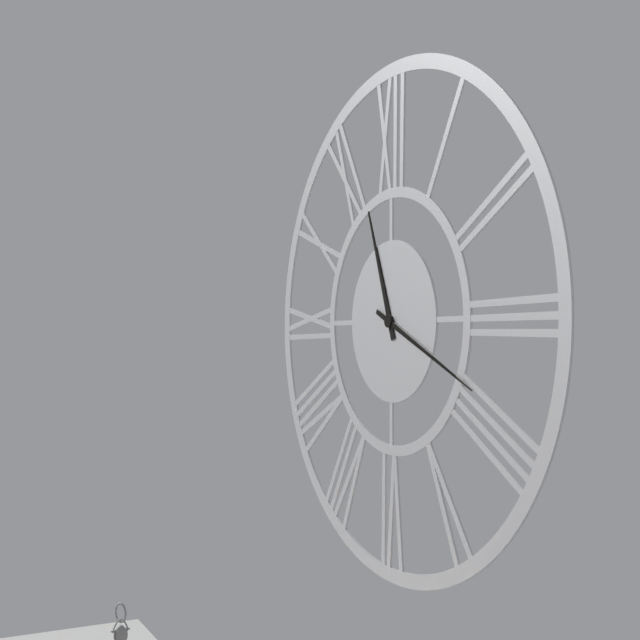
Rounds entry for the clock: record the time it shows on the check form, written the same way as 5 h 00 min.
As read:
11 h 19 min
